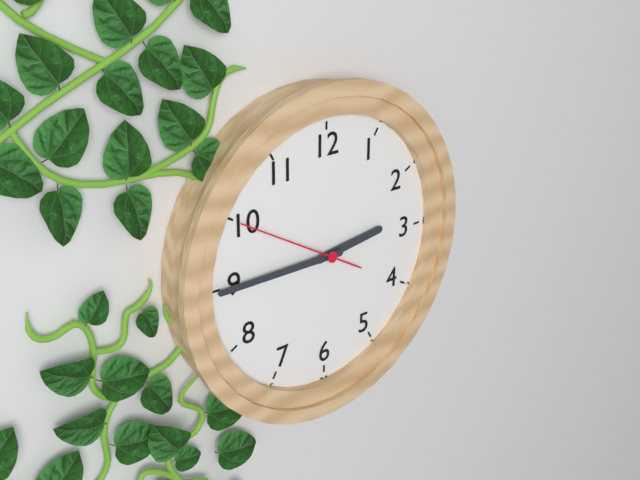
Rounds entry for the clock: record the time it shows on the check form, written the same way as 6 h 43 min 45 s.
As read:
2 h 45 min 50 s
